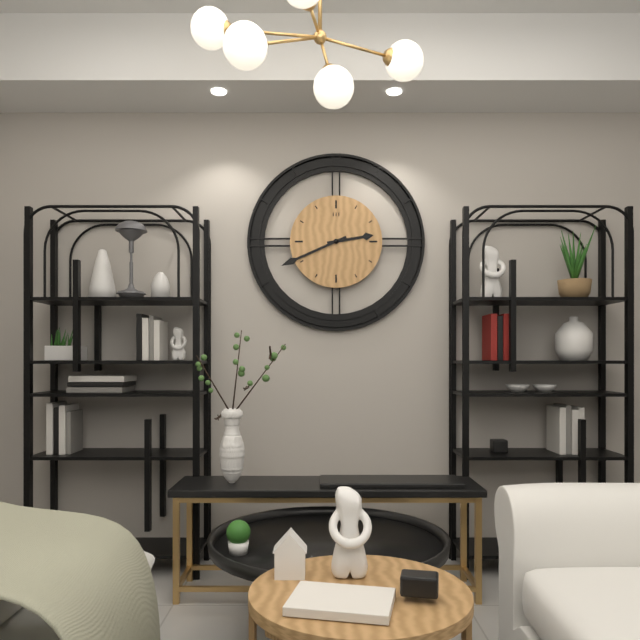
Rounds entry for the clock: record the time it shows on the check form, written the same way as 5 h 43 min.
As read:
2 h 41 min
